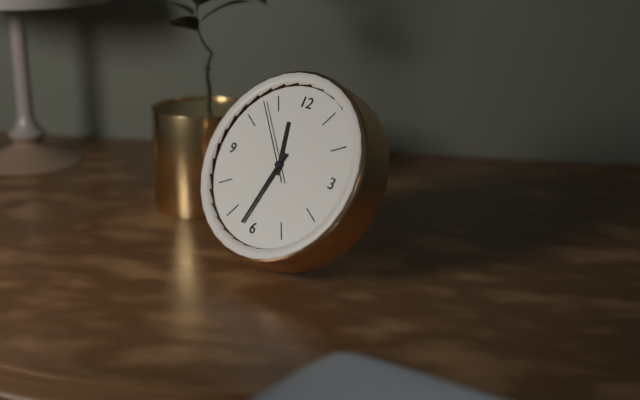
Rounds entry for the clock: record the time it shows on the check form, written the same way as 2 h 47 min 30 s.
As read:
11 h 32 min 53 s
